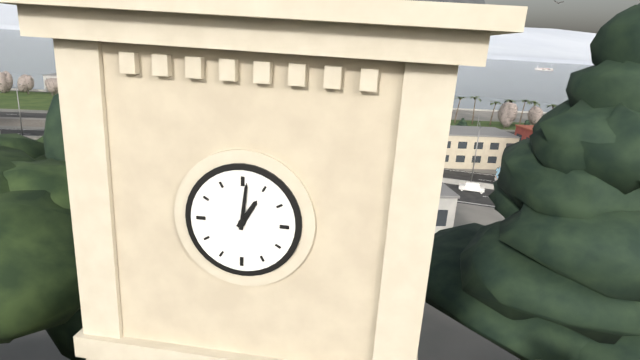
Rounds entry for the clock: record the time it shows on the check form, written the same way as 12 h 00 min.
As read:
1 h 01 min
